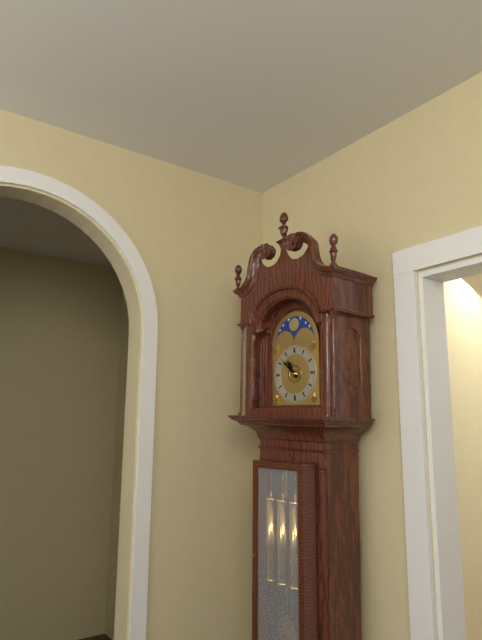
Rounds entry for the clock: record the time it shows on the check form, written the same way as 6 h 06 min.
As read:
10 h 52 min
